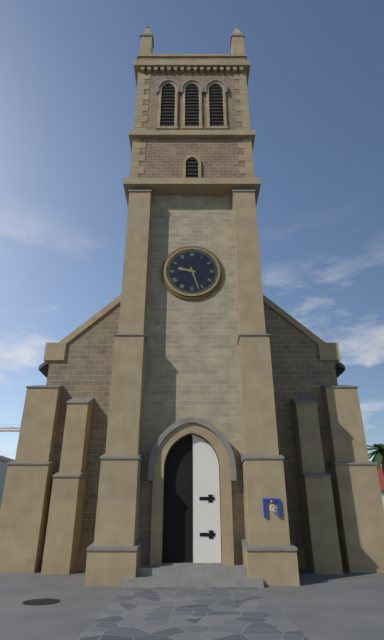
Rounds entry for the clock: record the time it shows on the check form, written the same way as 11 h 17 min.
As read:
9 h 27 min
